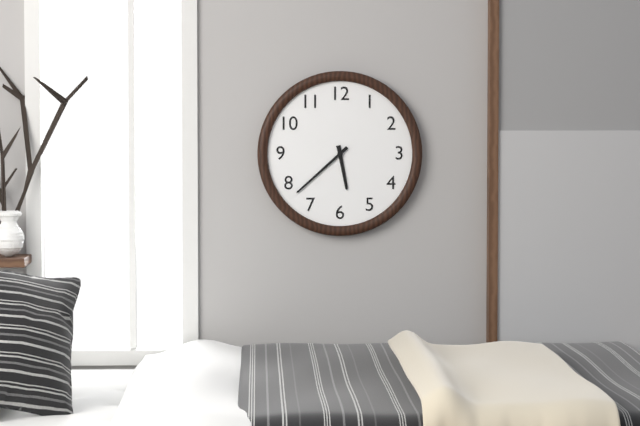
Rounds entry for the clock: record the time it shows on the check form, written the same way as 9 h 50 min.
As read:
5 h 38 min
